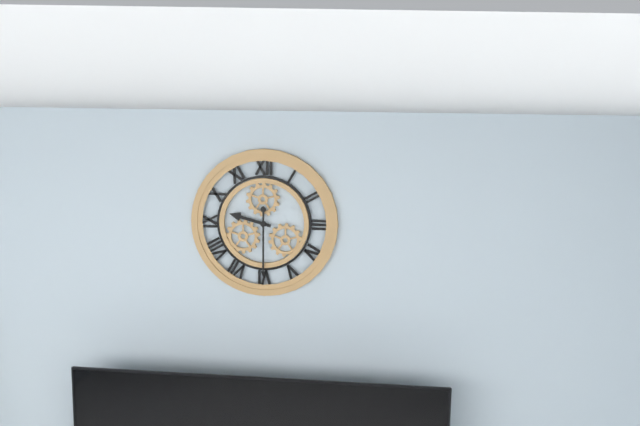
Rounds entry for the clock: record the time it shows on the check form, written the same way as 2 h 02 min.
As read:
9 h 30 min
